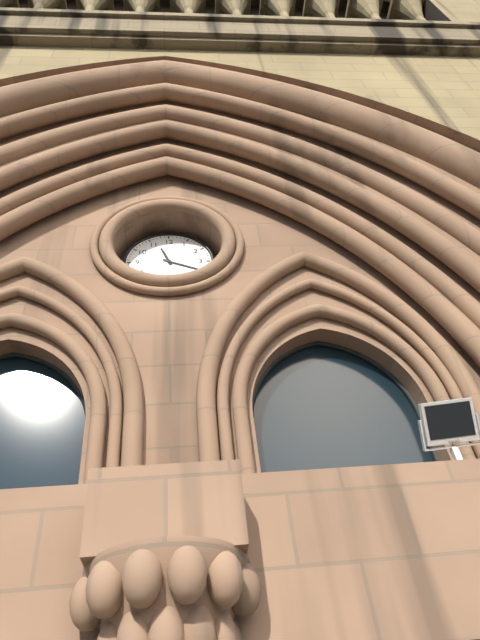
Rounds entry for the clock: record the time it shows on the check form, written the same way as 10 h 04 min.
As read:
11 h 19 min
